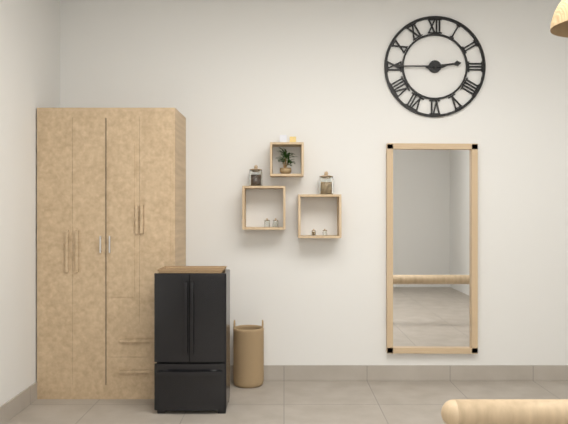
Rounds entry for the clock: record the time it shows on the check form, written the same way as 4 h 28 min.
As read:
2 h 45 min
